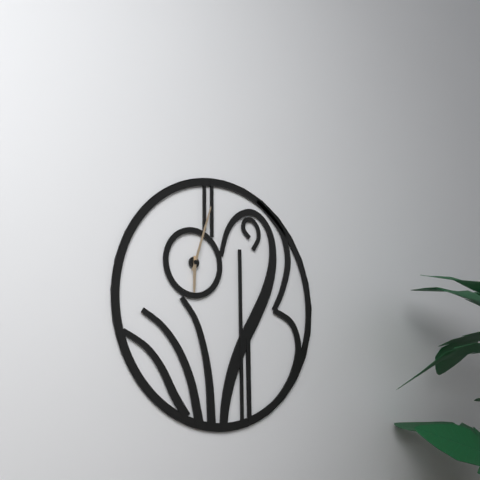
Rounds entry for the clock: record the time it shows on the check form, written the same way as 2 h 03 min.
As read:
6 h 03 min
